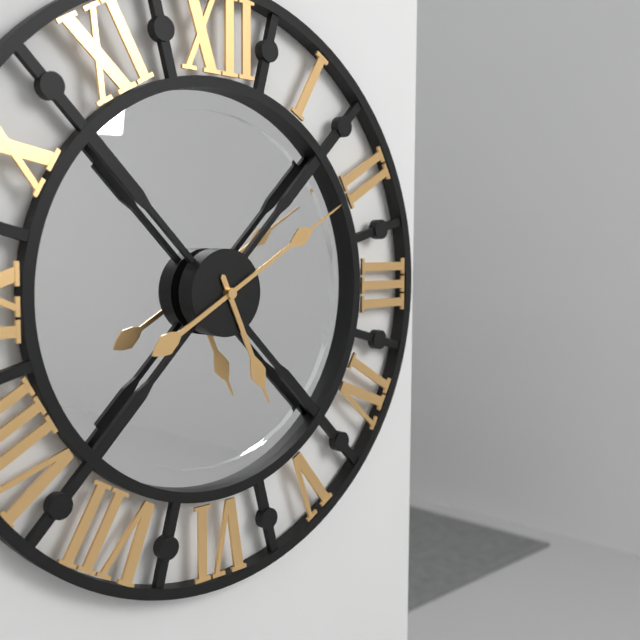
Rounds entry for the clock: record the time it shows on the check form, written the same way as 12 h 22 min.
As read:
5 h 10 min
